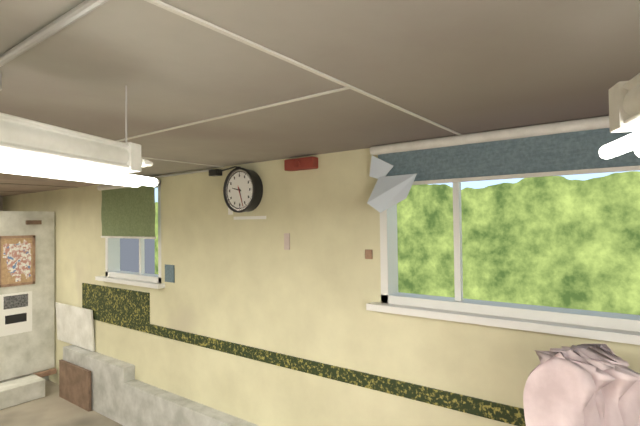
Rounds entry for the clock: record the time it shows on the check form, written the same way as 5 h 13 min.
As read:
9 h 27 min
